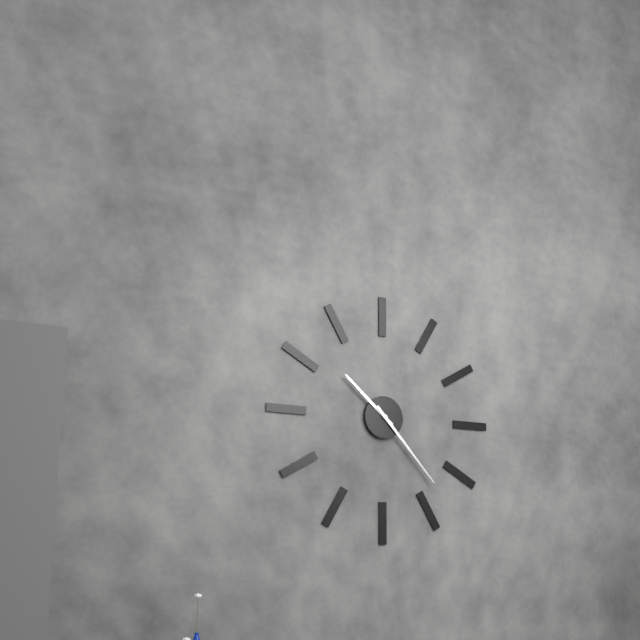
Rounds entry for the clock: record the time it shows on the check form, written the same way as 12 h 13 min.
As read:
10 h 23 min
